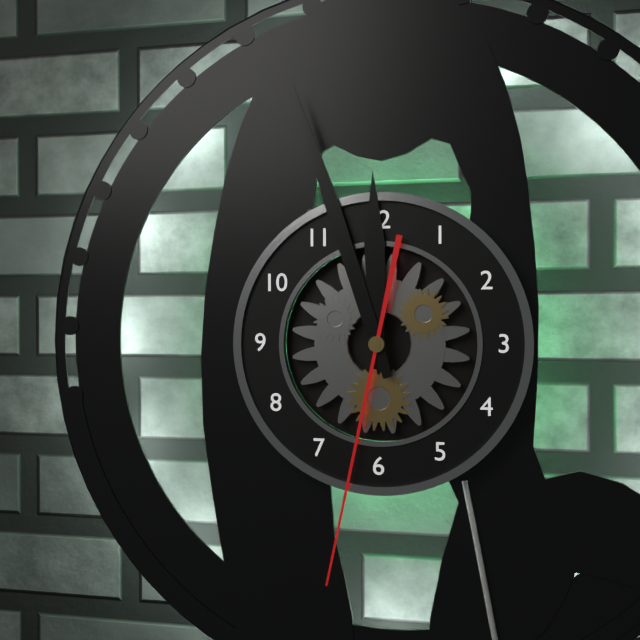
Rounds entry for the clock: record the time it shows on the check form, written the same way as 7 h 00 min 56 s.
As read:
11 h 57 min 32 s
